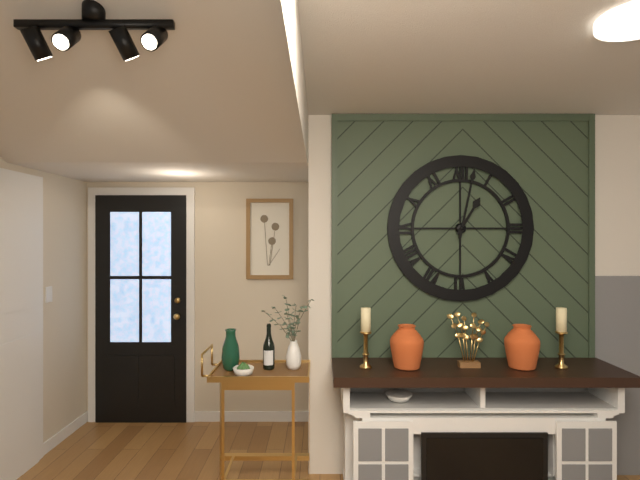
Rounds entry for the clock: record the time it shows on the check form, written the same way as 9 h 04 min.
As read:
1 h 02 min
